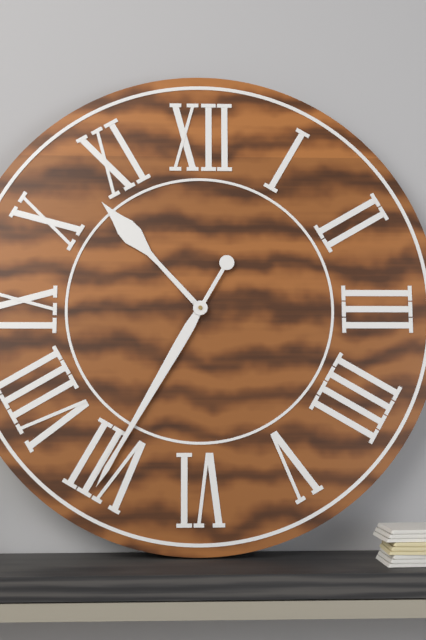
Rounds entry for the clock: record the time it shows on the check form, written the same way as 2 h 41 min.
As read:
10 h 35 min
